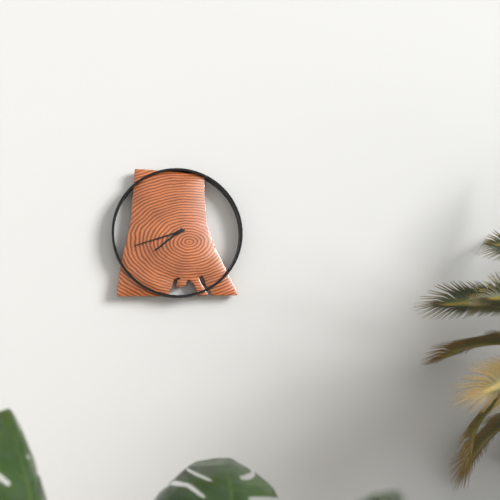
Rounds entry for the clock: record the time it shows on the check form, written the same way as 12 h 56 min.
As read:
7 h 42 min
